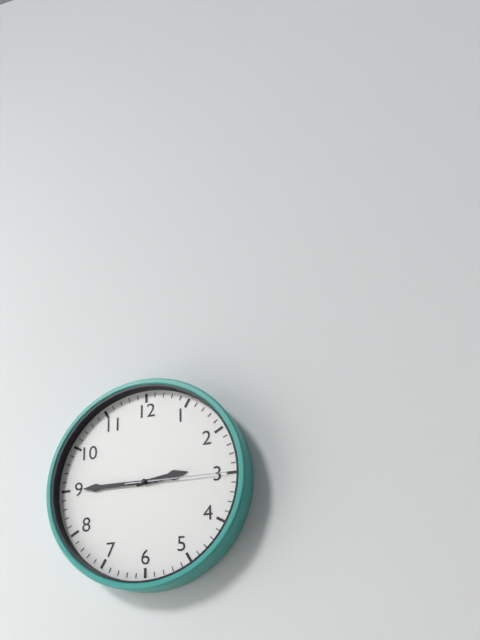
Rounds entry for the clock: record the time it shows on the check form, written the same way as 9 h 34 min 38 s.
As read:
2 h 45 min 15 s
